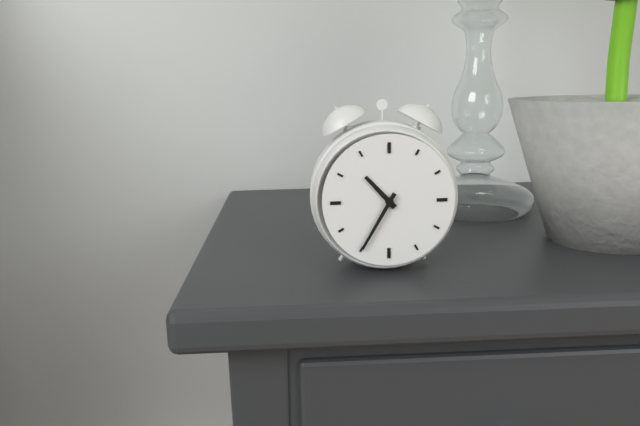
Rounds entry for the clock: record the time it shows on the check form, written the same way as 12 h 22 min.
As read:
10 h 35 min
